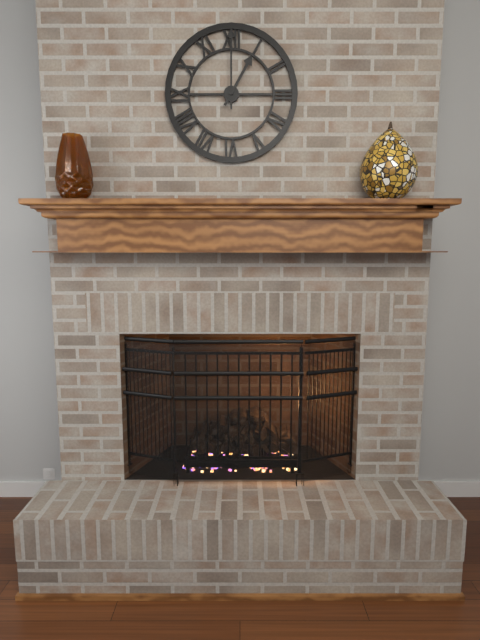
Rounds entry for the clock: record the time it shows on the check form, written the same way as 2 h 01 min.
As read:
1 h 00 min
